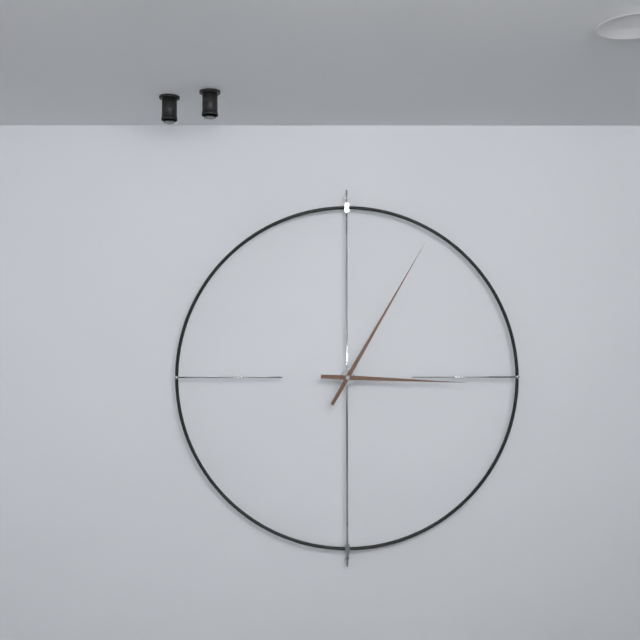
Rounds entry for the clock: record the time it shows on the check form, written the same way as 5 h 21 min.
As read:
3 h 05 min
